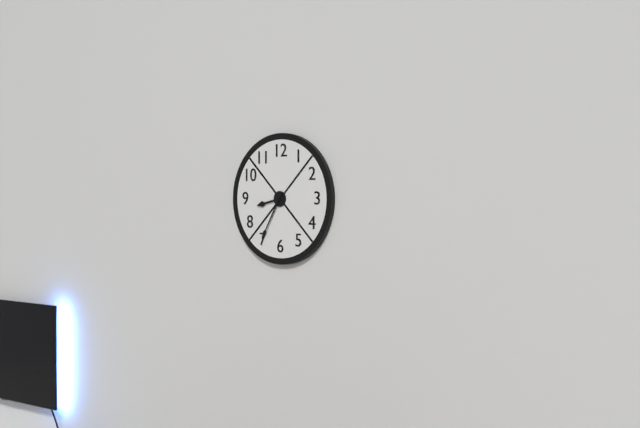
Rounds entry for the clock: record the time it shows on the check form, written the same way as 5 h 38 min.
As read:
8 h 35 min
